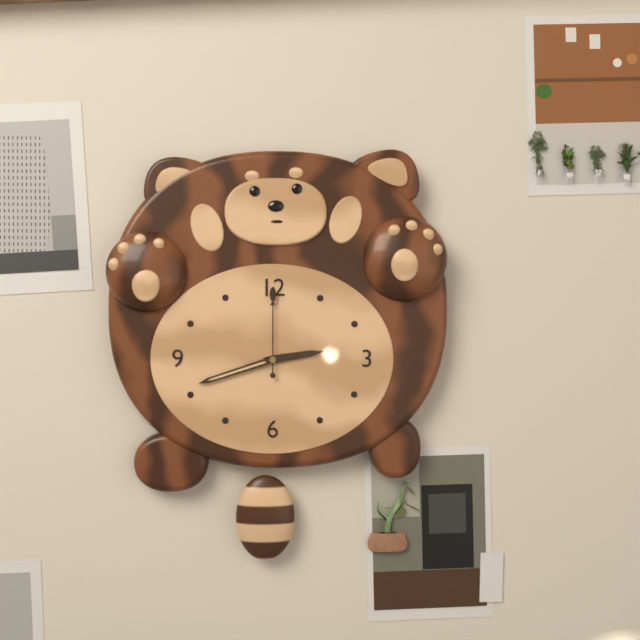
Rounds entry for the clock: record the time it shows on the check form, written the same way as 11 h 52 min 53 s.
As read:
2 h 42 min 00 s
